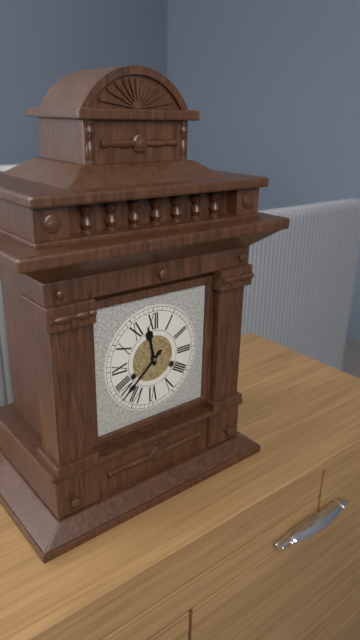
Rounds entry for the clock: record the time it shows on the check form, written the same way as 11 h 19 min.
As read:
11 h 38 min
